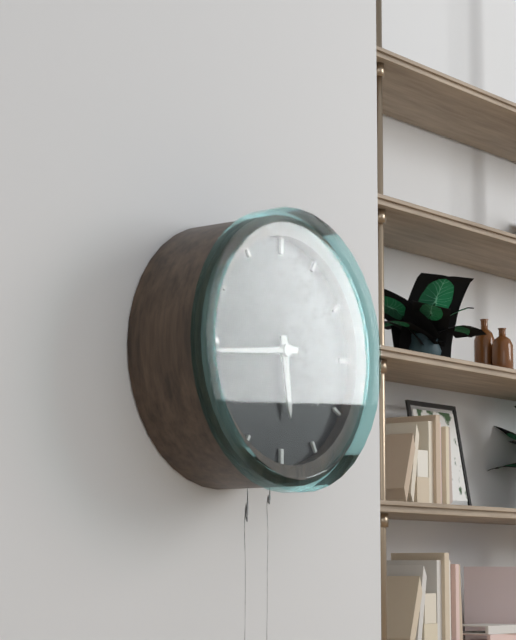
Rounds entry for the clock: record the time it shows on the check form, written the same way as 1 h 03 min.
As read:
5 h 44 min
